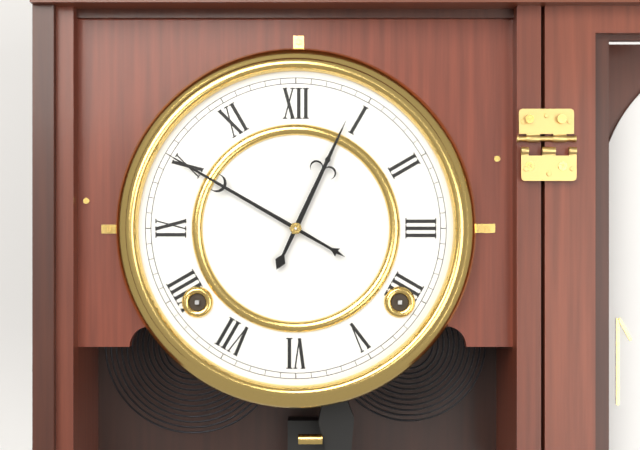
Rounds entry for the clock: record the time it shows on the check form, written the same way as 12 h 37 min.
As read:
12 h 50 min
